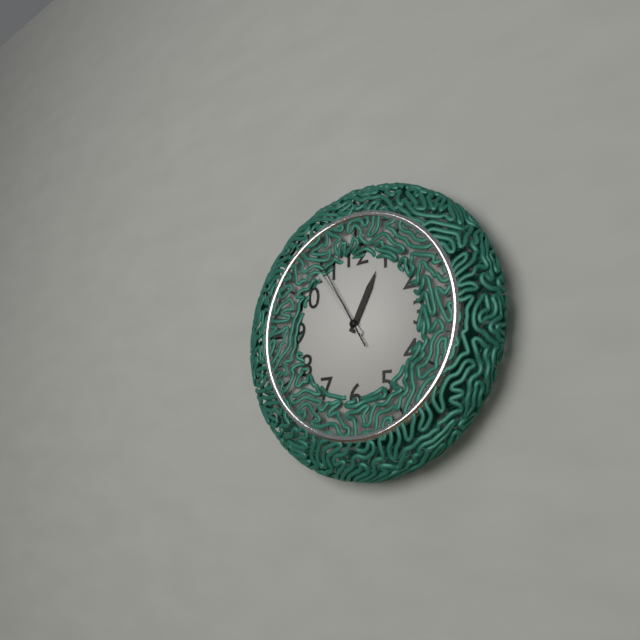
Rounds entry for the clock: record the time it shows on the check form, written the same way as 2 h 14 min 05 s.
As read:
12 h 54 min 55 s
